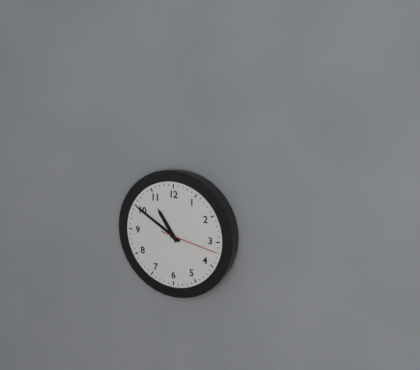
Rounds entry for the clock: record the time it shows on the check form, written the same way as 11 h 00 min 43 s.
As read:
10 h 50 min 17 s
